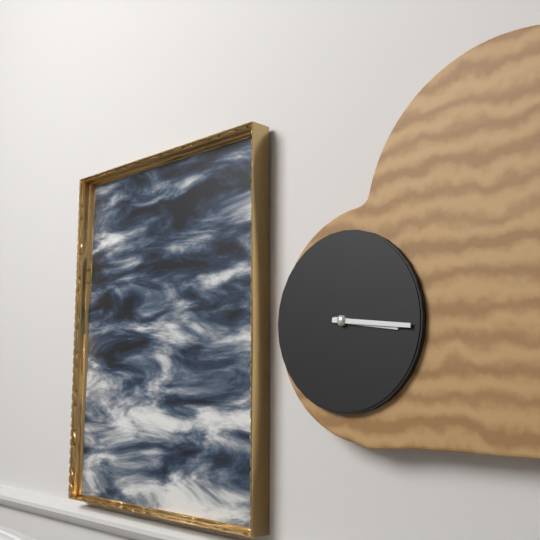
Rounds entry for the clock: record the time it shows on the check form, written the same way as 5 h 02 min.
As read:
3 h 16 min
